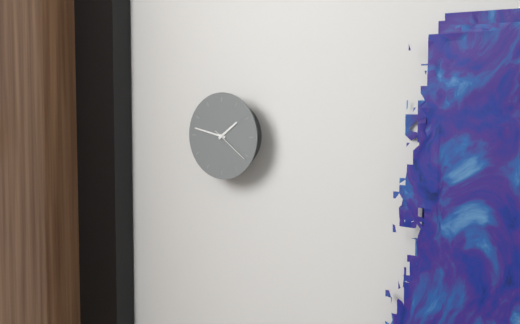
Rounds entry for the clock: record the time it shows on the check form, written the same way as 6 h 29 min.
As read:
1 h 47 min
